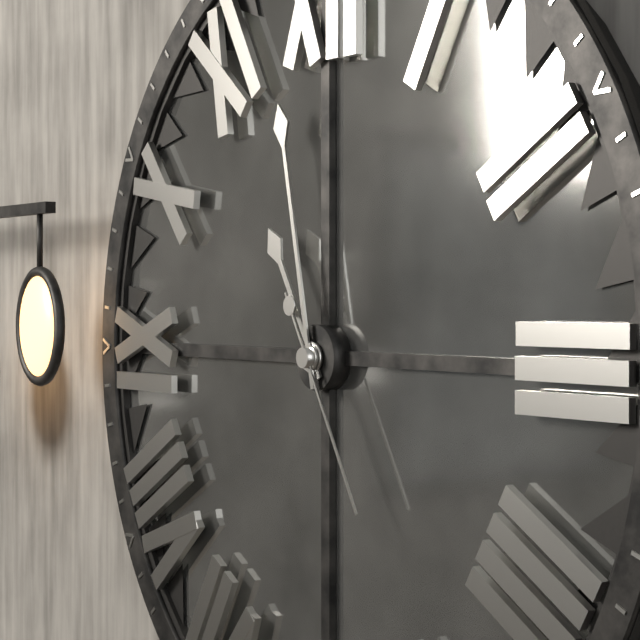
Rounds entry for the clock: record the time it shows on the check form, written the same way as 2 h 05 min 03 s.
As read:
10 h 58 min 25 s
